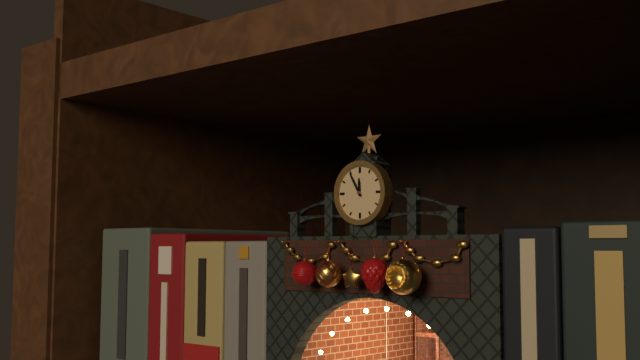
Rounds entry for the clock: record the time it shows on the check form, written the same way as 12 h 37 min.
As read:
11 h 55 min
